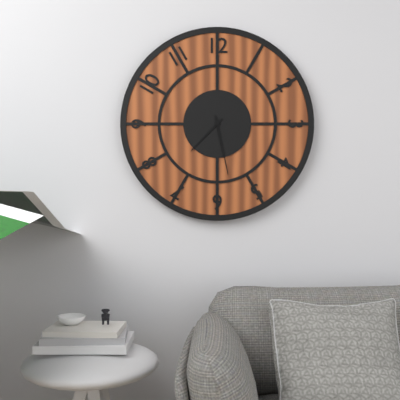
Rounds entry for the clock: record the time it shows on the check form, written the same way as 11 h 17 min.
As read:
7 h 28 min
